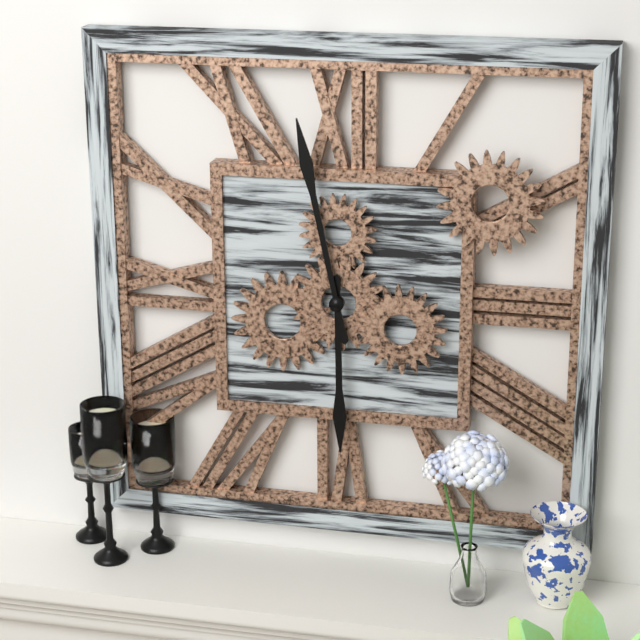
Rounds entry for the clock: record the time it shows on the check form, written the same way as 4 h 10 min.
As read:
5 h 58 min
